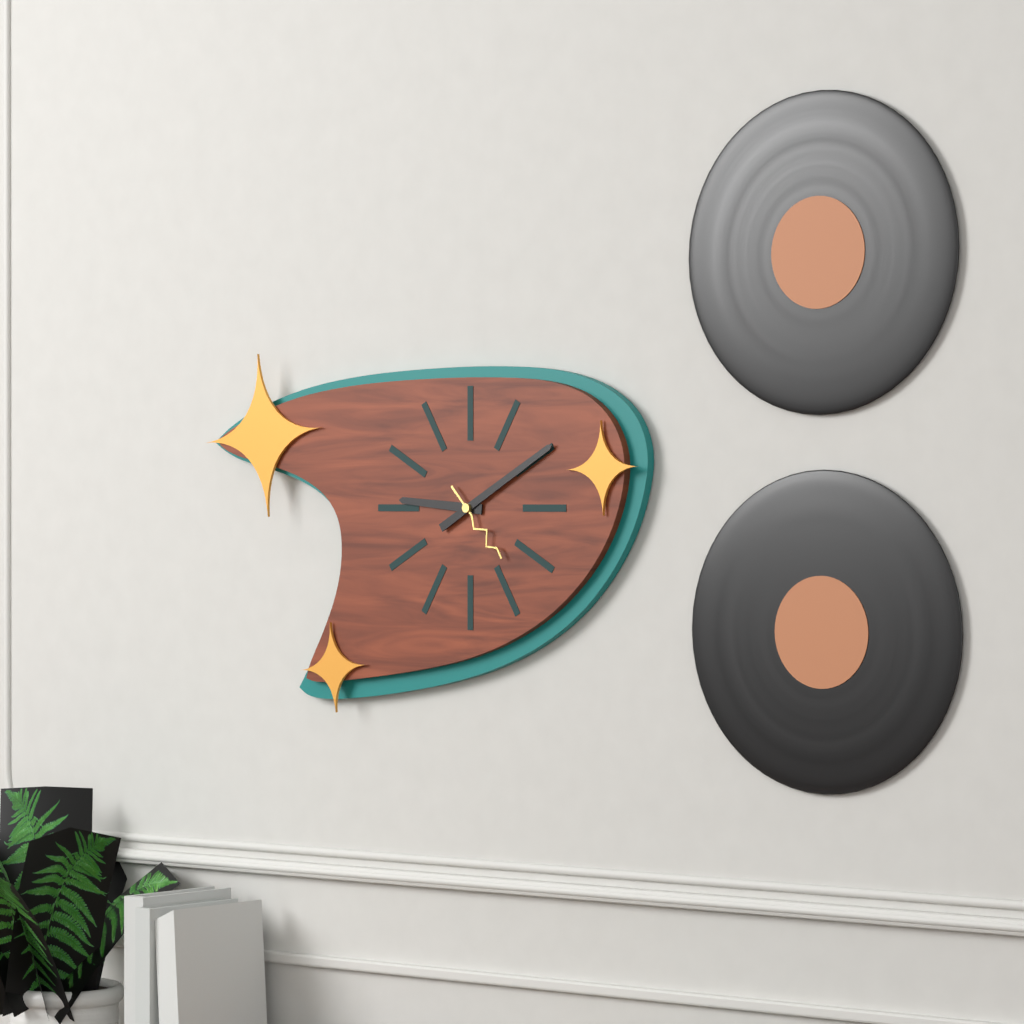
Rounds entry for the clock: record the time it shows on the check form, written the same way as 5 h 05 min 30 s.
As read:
9 h 10 min 23 s
